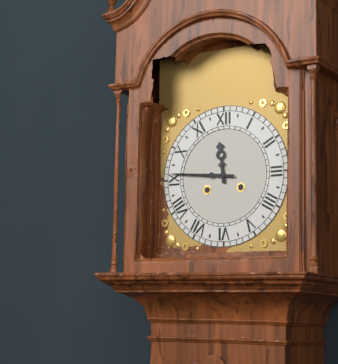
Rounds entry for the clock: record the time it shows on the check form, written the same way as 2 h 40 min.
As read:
11 h 46 min
